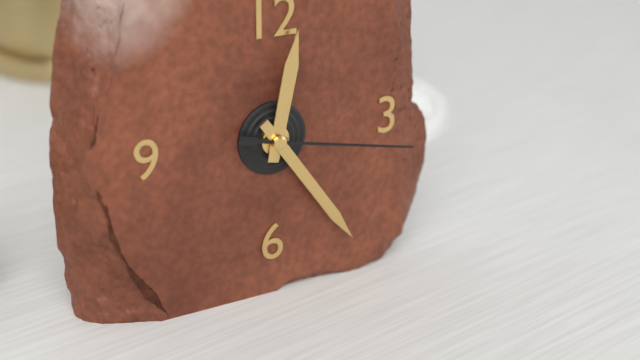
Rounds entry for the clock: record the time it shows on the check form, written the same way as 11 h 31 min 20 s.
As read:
12 h 24 min 17 s
